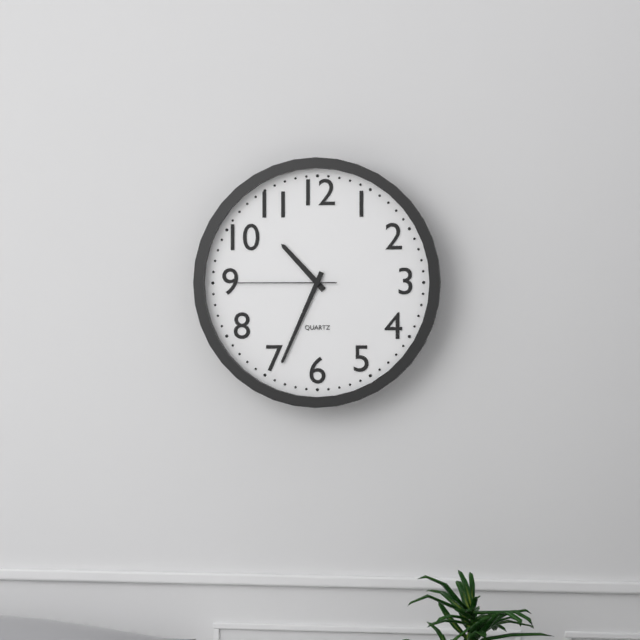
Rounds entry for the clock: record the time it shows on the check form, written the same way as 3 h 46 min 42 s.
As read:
10 h 34 min 45 s
